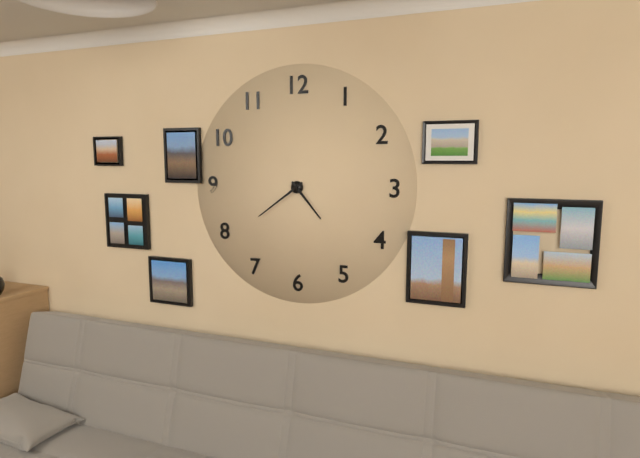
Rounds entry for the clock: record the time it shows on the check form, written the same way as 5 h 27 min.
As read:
4 h 39 min
